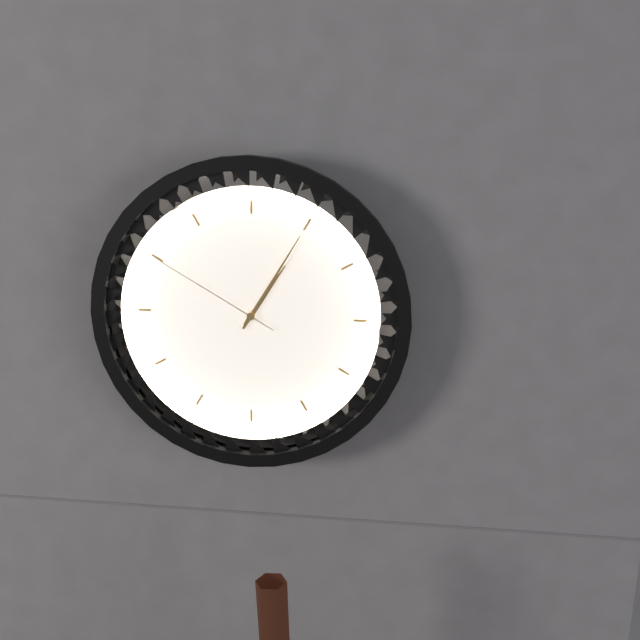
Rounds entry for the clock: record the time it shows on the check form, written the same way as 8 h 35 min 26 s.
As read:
1 h 05 min 50 s
